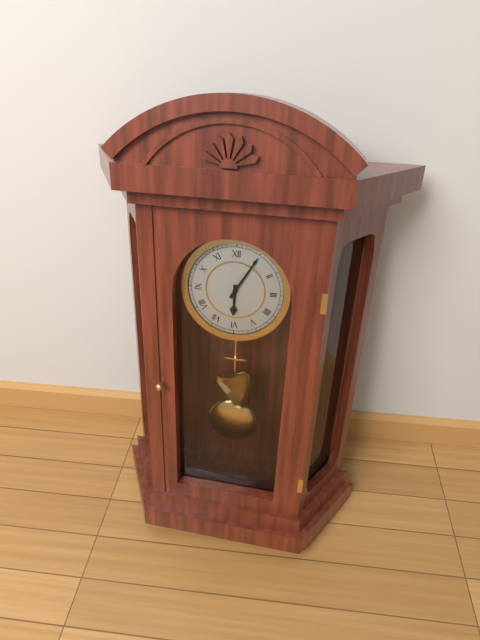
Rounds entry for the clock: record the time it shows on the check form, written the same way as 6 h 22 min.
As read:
6 h 05 min
